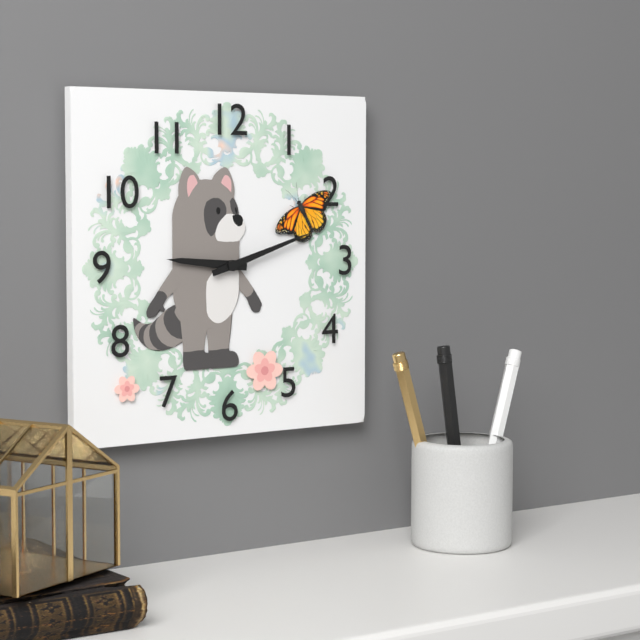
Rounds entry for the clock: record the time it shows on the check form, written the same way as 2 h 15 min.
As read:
9 h 12 min
